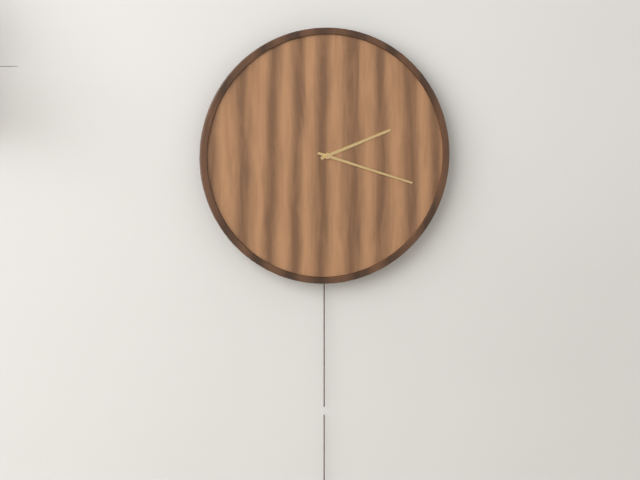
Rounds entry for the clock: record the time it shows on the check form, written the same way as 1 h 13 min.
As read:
2 h 18 min
